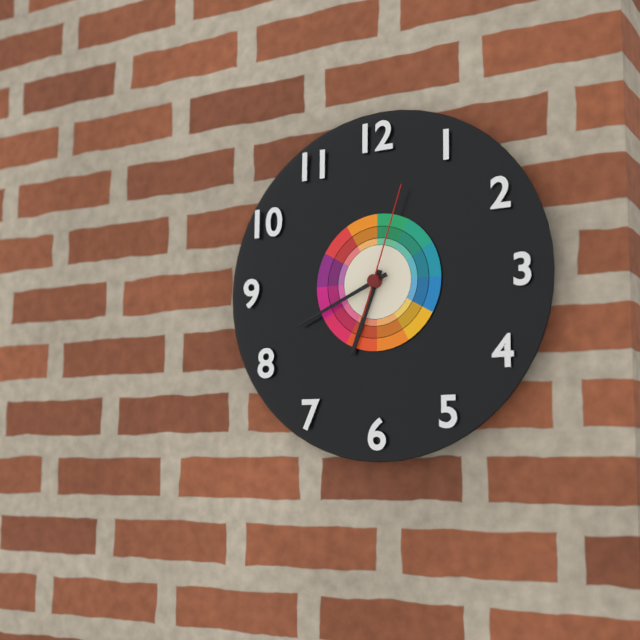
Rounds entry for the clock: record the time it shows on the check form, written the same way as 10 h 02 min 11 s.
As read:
6 h 41 min 03 s
